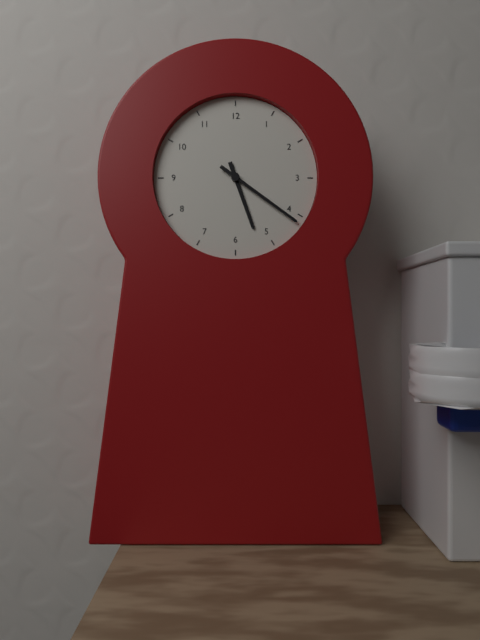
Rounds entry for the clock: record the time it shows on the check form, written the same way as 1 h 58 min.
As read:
5 h 21 min
